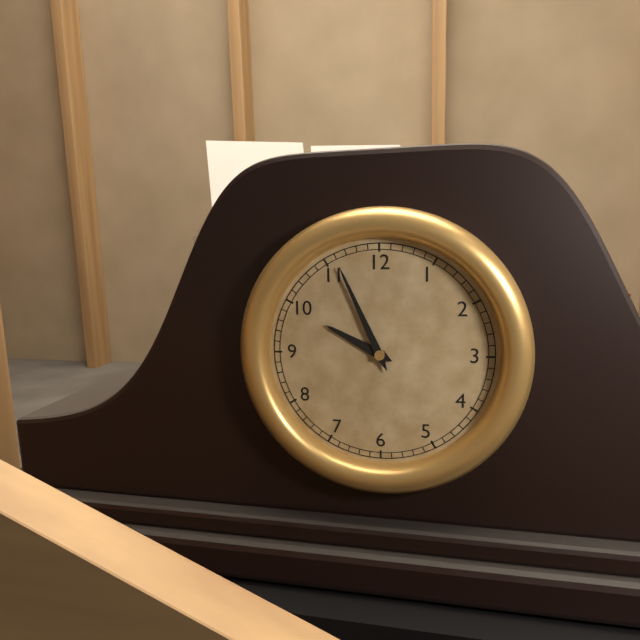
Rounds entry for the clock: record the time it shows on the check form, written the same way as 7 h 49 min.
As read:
9 h 56 min
